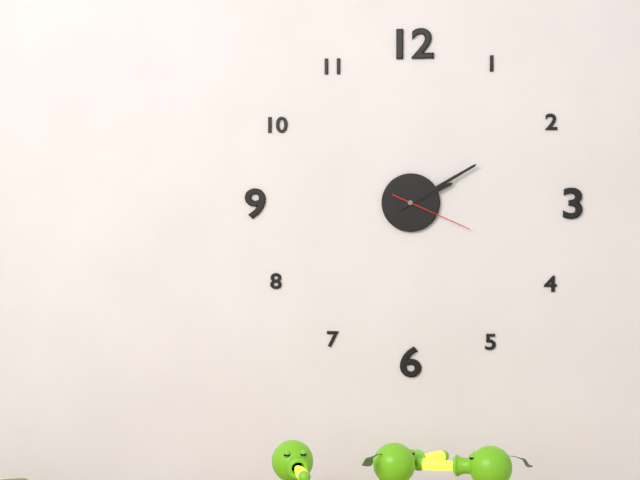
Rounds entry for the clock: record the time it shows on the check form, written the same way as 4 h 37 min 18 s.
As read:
2 h 10 min 19 s
